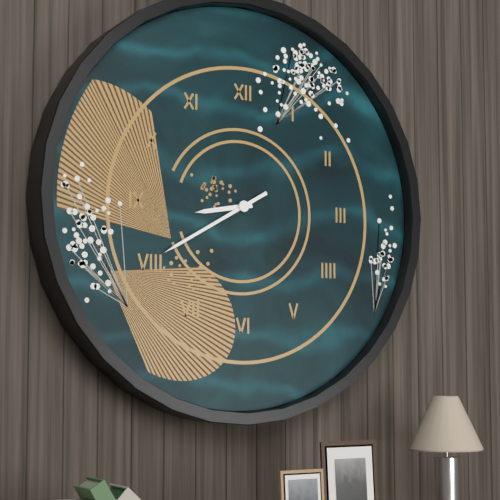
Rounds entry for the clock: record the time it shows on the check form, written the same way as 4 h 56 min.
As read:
8 h 40 min
